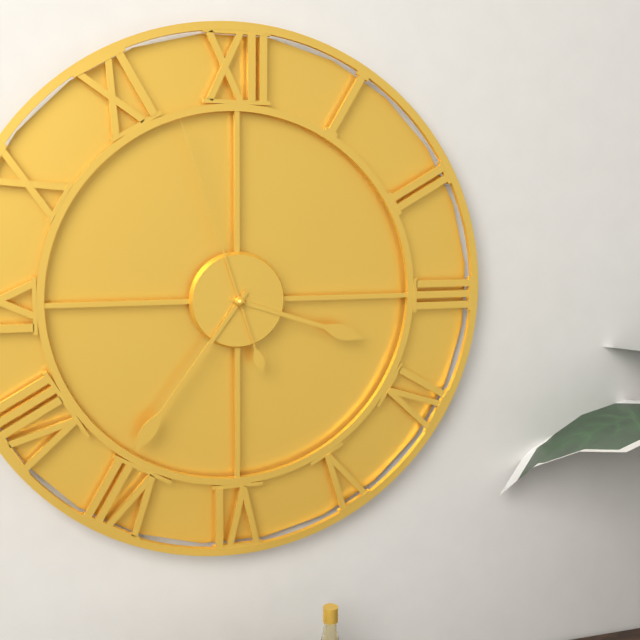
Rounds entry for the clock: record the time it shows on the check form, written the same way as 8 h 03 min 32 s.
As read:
3 h 36 min 57 s
